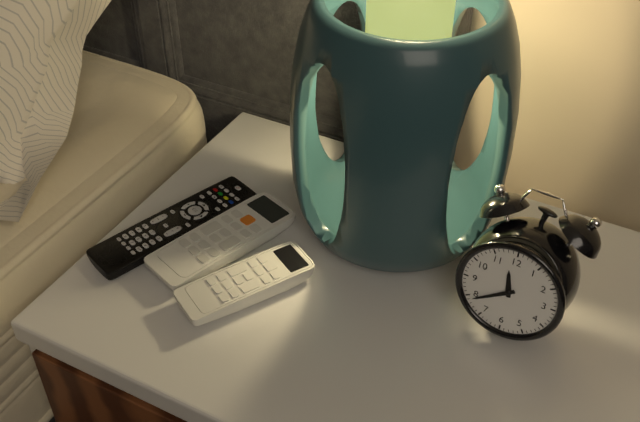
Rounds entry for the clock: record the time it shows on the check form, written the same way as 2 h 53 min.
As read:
11 h 39 min
